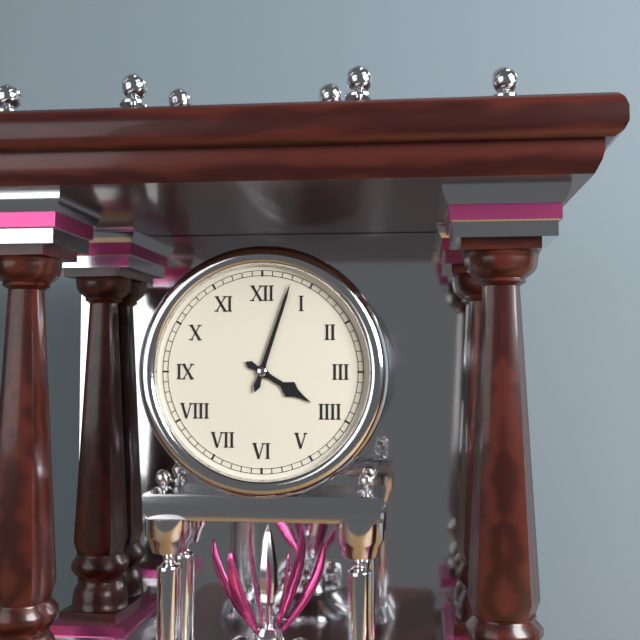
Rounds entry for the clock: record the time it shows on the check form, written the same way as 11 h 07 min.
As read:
4 h 03 min
